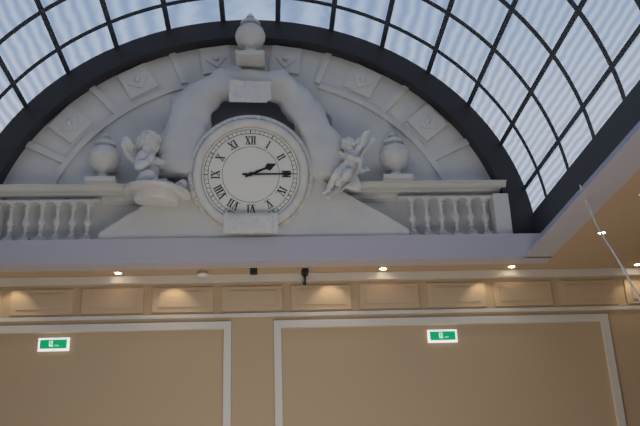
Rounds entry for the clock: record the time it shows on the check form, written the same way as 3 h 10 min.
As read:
2 h 15 min
